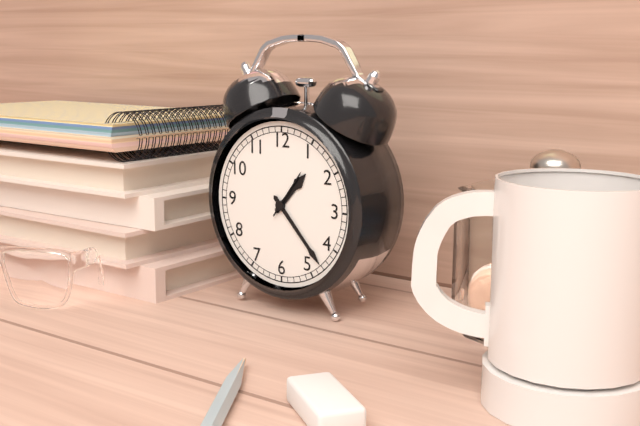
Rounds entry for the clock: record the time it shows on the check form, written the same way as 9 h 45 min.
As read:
1 h 23 min
